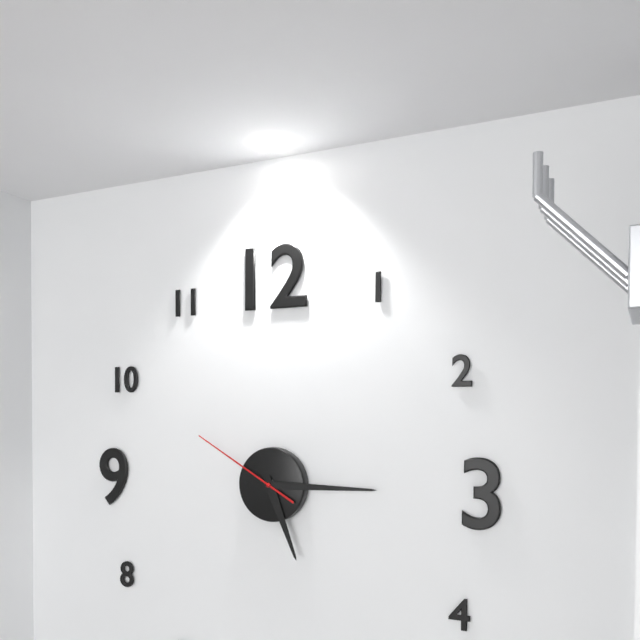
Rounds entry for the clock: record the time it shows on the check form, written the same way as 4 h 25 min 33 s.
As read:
5 h 15 min 50 s
